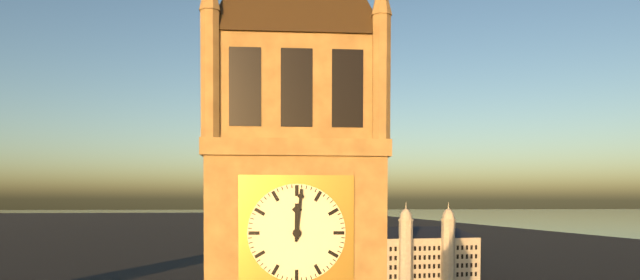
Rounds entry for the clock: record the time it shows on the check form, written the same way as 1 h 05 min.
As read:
12 h 01 min
